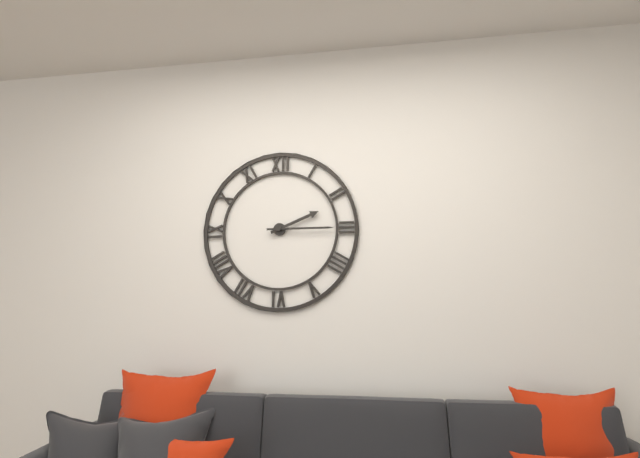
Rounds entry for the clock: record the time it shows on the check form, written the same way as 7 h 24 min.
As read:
2 h 15 min
